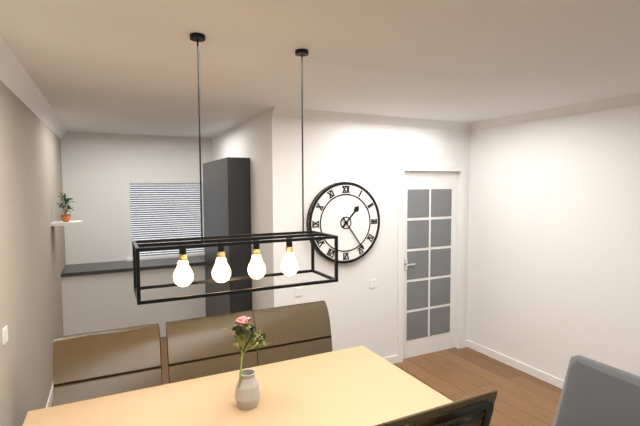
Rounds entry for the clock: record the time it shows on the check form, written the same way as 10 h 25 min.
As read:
1 h 24 min
